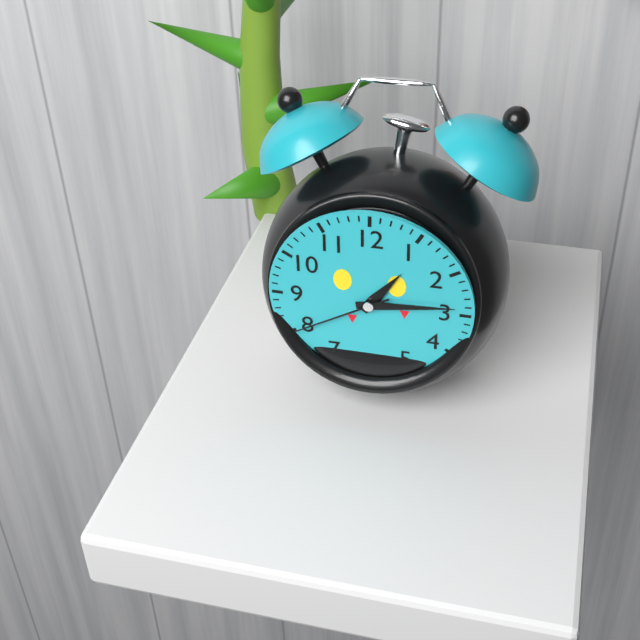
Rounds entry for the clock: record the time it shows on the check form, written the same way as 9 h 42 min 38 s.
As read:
1 h 14 min 40 s
